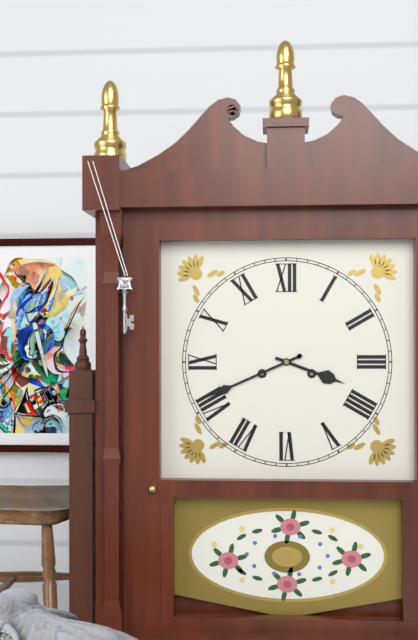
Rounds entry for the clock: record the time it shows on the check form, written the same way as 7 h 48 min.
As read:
3 h 41 min
